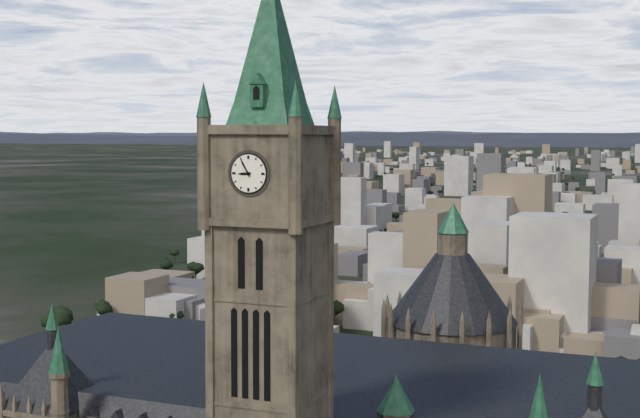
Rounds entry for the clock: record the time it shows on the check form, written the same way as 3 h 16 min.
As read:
8 h 55 min
